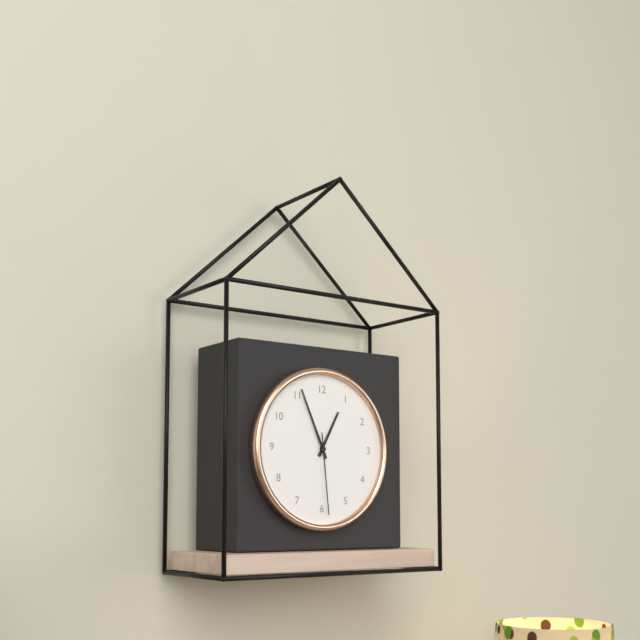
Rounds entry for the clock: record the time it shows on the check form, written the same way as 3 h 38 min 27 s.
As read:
12 h 56 min 29 s
